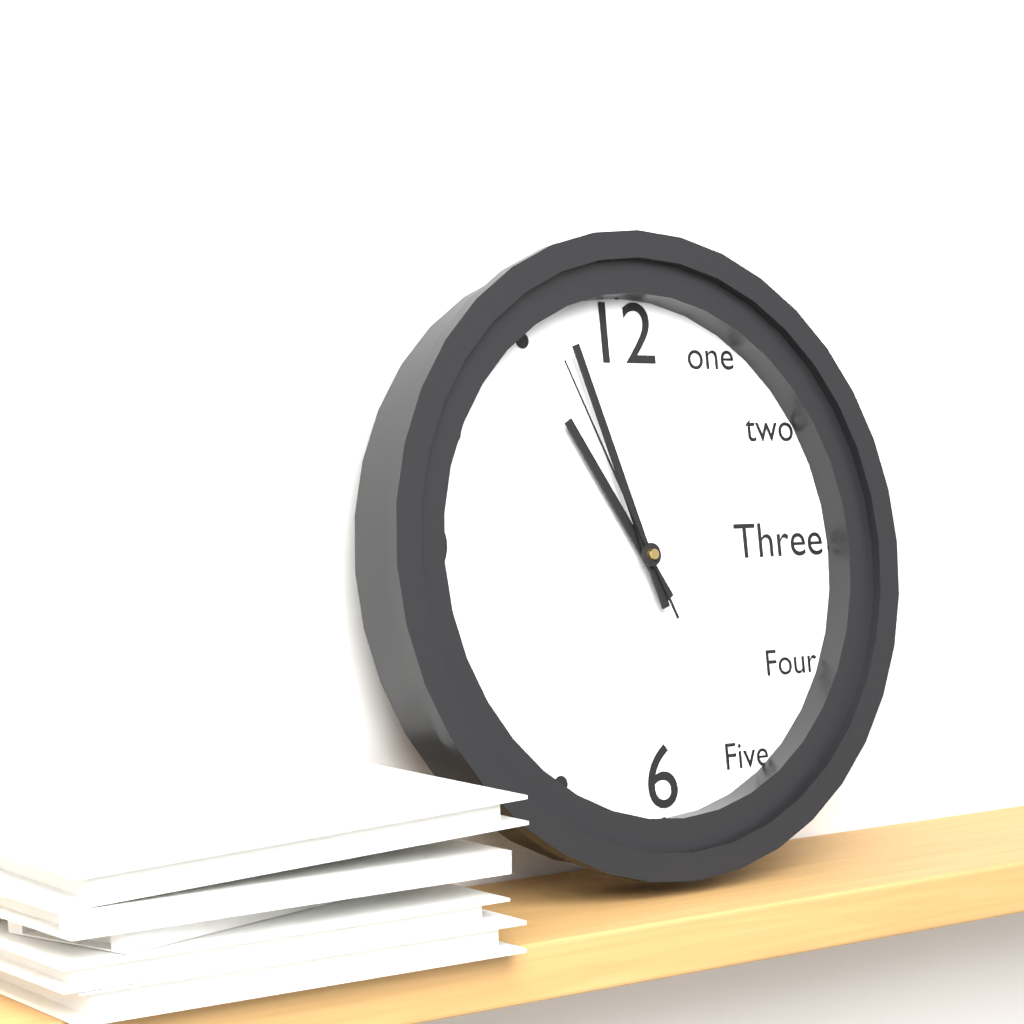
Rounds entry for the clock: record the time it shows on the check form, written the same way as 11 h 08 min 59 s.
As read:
10 h 57 min 56 s
